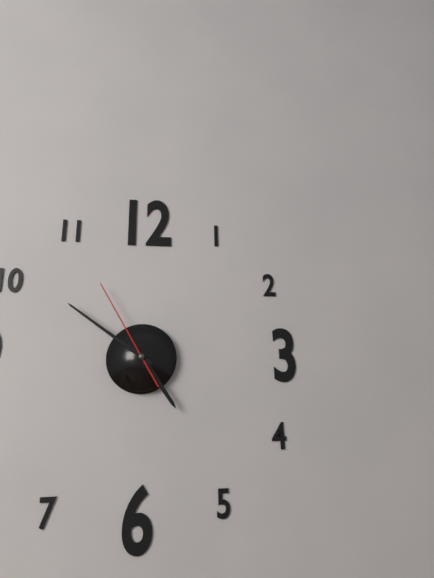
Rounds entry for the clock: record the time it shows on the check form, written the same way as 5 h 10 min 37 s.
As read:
4 h 51 min 55 s
